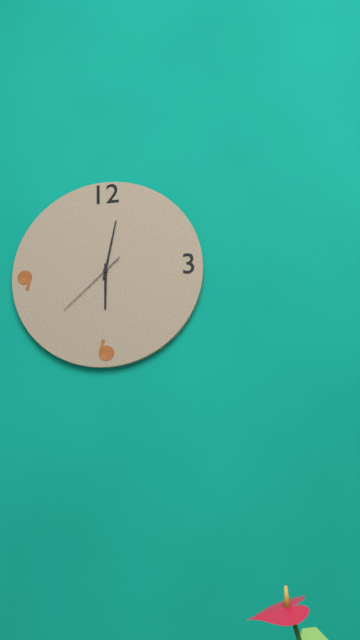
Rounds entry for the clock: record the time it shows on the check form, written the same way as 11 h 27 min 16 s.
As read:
6 h 02 min 38 s
